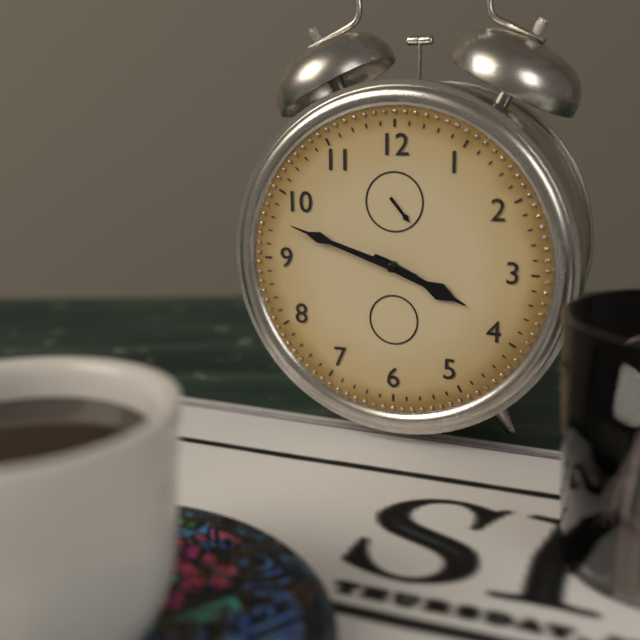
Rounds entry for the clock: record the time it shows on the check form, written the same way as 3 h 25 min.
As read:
3 h 48 min
